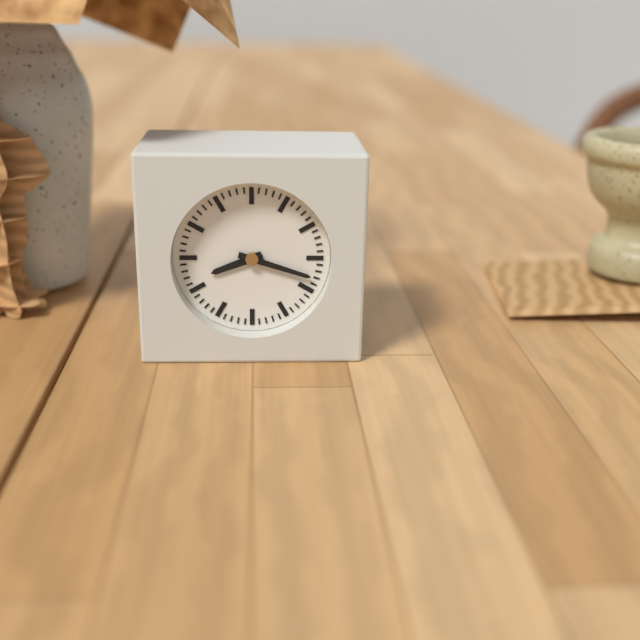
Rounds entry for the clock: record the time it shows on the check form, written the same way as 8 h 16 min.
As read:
8 h 18 min
